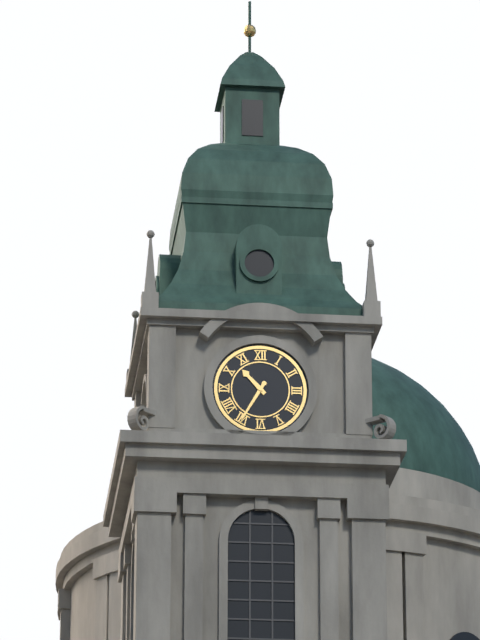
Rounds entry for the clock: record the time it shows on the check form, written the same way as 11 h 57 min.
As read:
10 h 35 min
